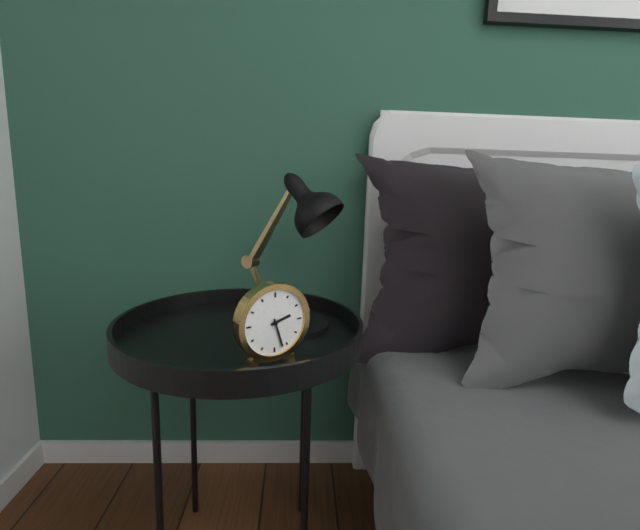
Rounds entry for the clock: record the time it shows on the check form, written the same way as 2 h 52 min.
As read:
2 h 27 min
